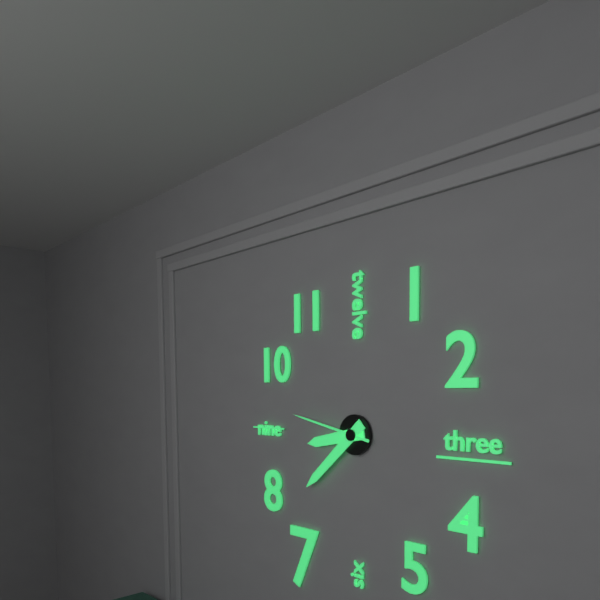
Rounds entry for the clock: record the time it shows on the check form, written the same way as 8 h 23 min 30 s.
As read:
8 h 38 min 47 s
